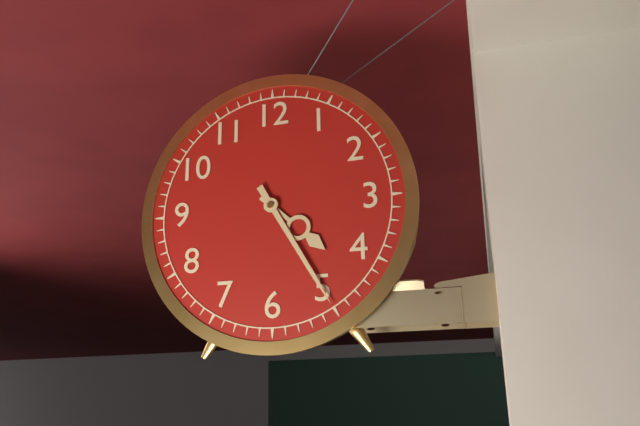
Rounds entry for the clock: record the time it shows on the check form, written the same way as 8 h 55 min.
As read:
4 h 25 min
